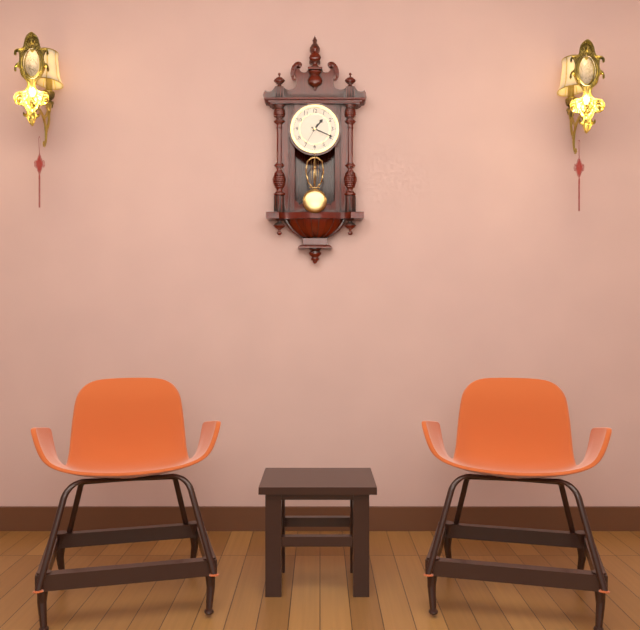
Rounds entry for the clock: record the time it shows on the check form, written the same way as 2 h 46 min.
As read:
1 h 19 min
